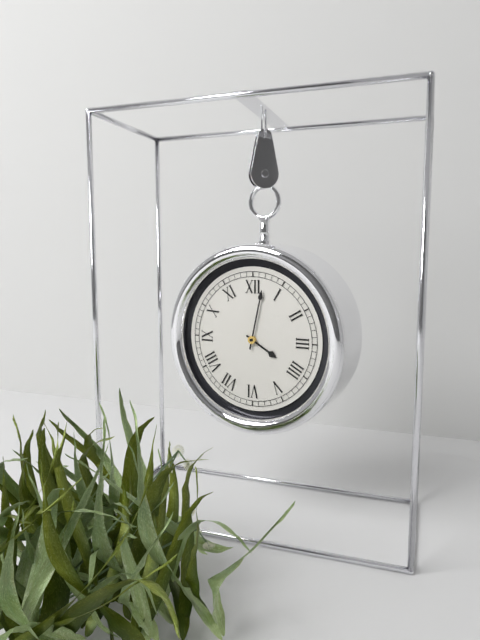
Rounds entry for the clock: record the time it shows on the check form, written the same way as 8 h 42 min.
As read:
4 h 02 min
